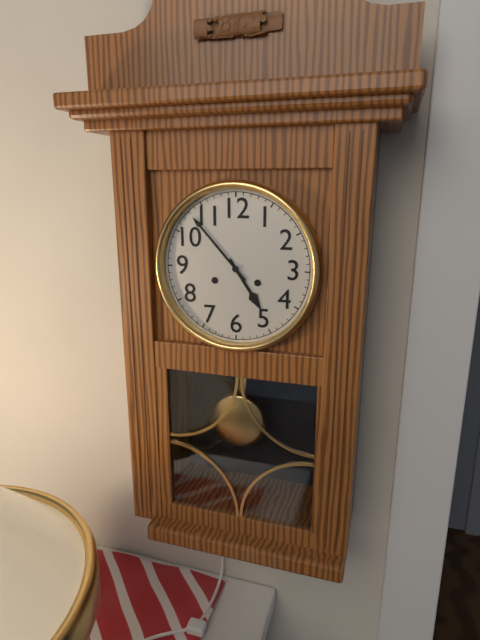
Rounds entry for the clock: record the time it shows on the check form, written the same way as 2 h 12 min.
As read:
4 h 53 min
